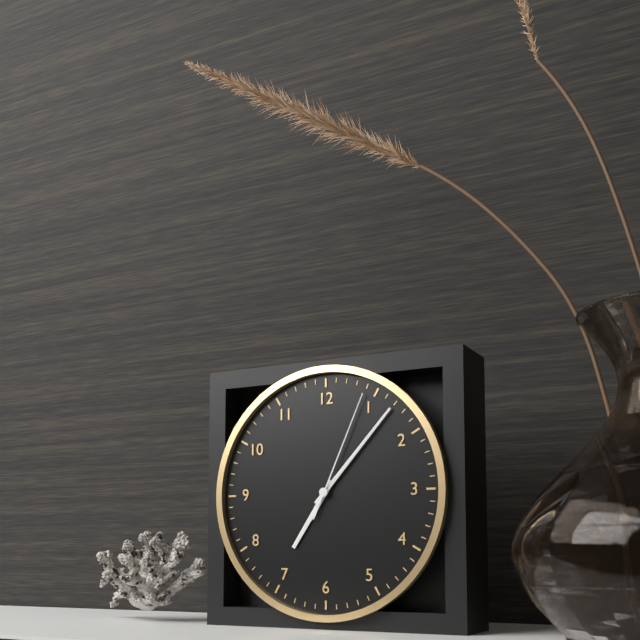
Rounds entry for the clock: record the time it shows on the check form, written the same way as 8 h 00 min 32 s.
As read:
7 h 07 min 04 s
